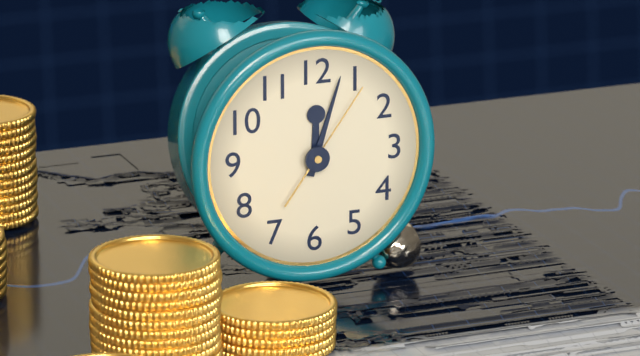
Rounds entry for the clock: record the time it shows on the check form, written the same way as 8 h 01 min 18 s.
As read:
12 h 03 min 06 s
